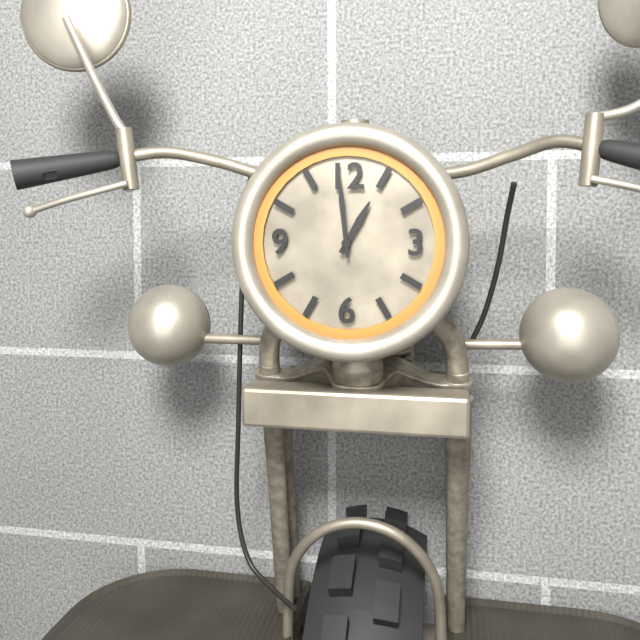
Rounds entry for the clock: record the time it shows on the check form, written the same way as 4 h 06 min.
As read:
12 h 59 min
